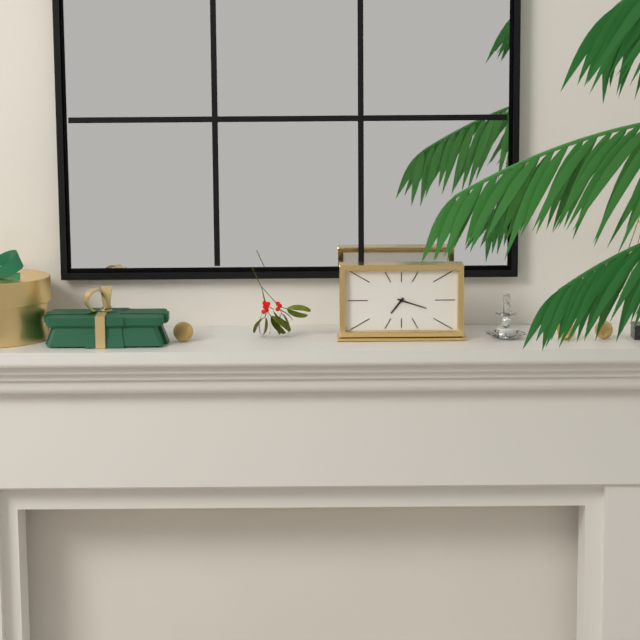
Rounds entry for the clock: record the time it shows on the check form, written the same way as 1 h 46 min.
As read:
7 h 18 min
